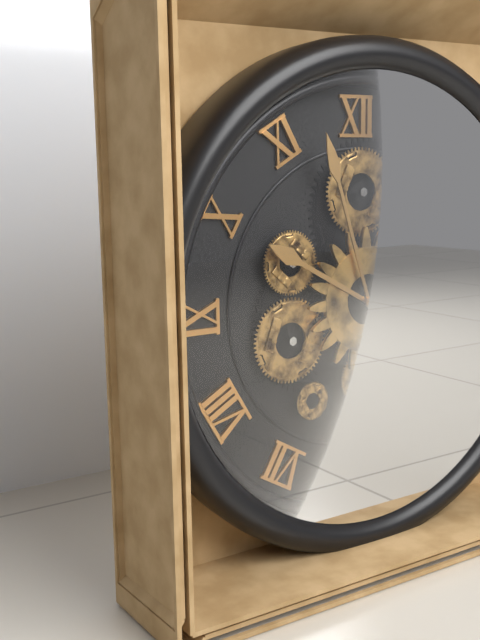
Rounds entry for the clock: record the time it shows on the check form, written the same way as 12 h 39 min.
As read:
9 h 57 min
